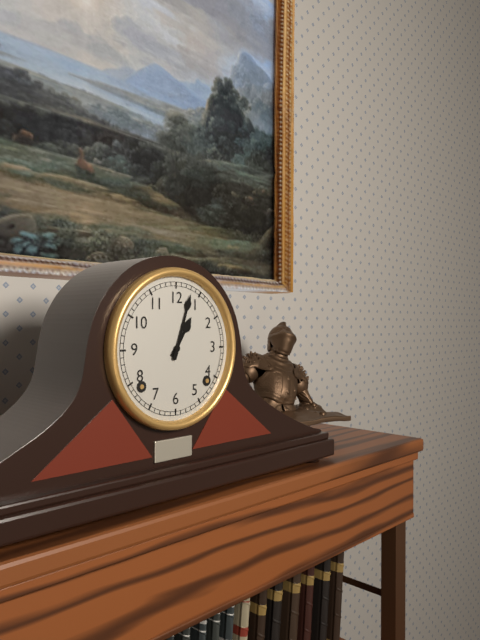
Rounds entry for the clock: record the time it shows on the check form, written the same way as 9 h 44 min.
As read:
1 h 03 min
